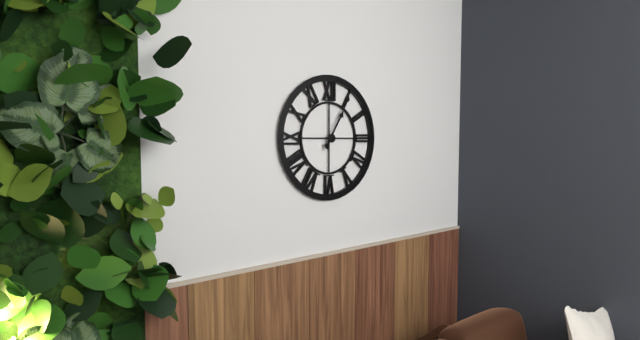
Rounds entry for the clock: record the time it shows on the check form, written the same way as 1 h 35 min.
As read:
1 h 05 min
